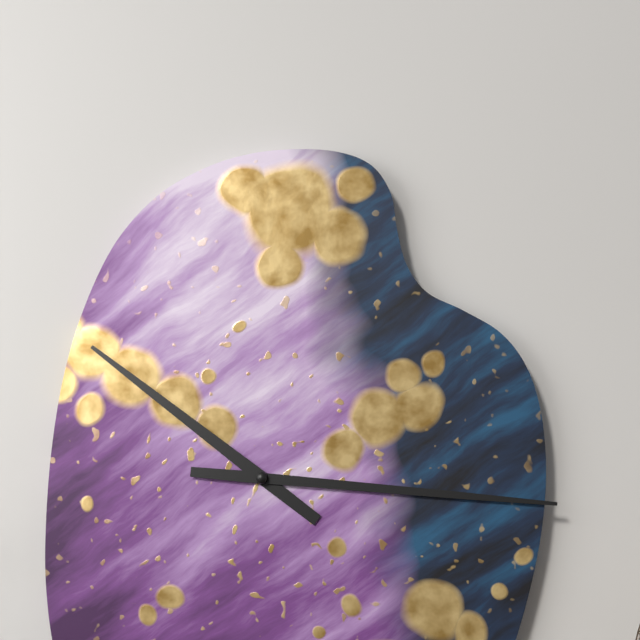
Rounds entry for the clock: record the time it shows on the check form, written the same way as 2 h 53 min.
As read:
10 h 16 min
